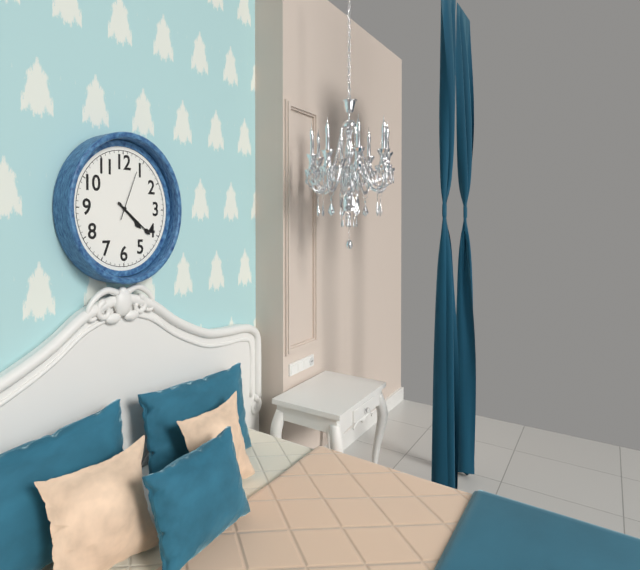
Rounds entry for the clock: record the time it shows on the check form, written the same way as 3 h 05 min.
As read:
4 h 21 min
